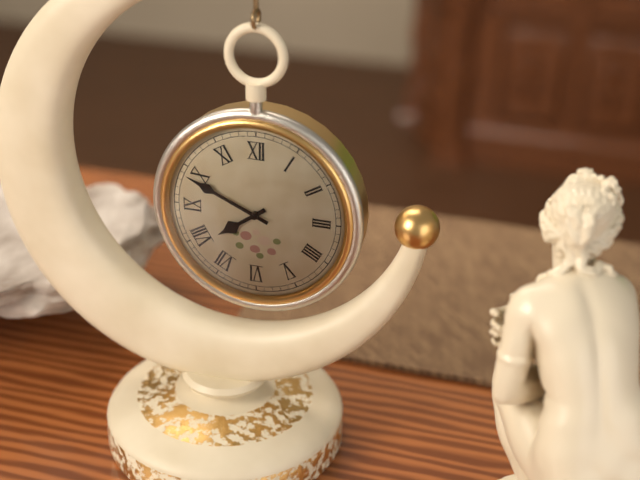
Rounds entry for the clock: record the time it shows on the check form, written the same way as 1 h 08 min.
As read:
7 h 49 min
